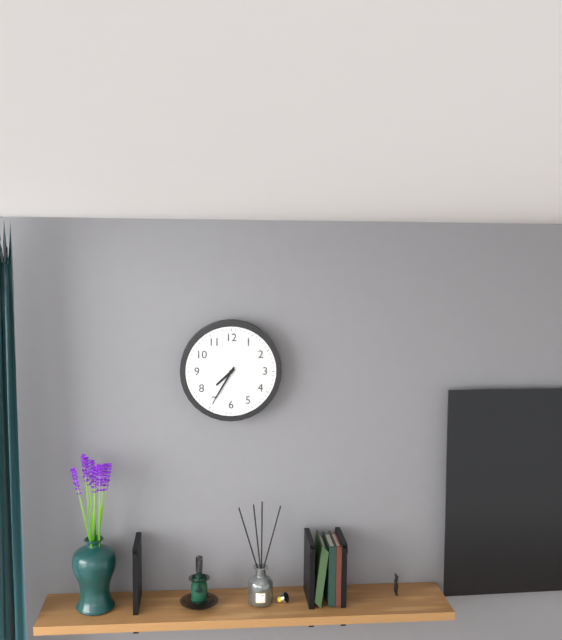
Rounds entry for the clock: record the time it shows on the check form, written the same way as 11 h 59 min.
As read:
7 h 35 min
